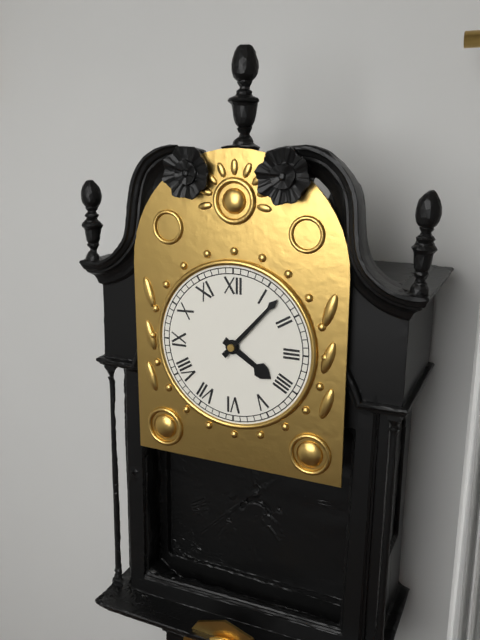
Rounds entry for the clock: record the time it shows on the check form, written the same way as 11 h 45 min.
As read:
4 h 07 min
